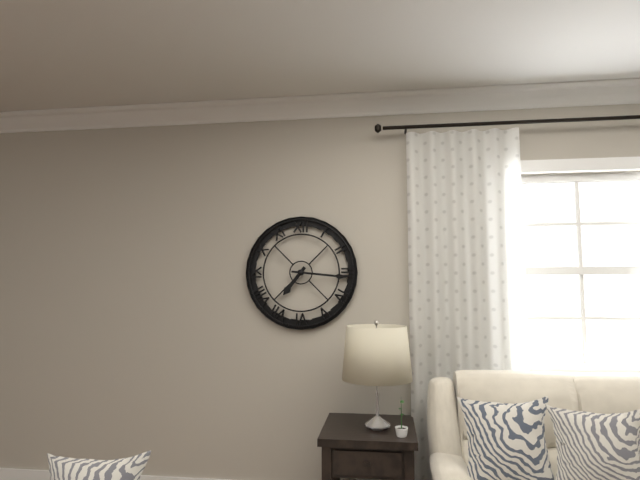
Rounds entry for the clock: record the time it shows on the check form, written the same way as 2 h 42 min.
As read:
7 h 16 min
